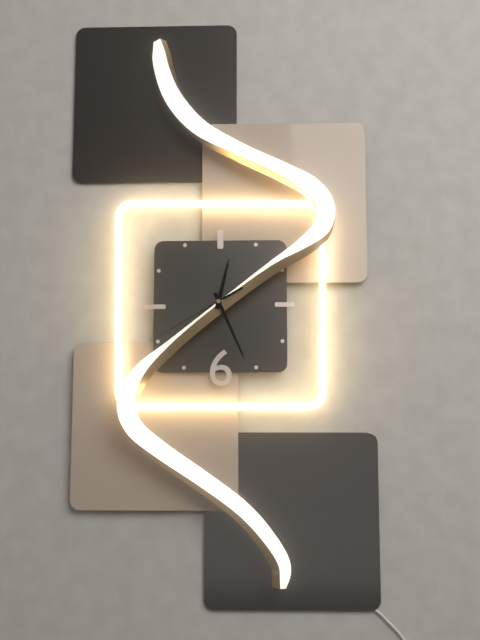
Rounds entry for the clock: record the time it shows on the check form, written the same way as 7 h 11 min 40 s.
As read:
12 h 26 min 40 s
